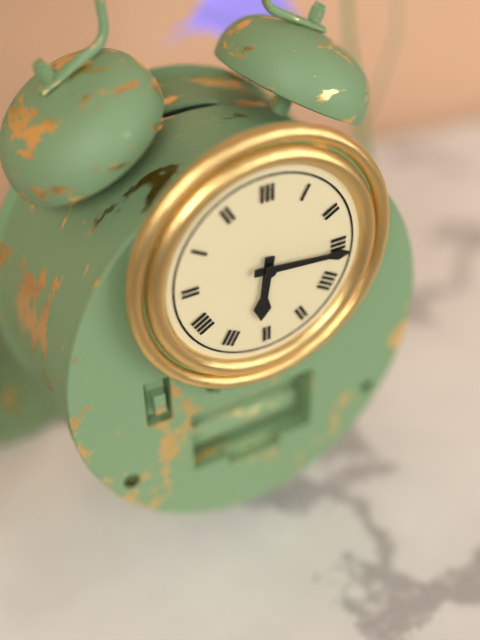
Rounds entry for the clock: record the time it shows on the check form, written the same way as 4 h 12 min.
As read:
6 h 16 min
